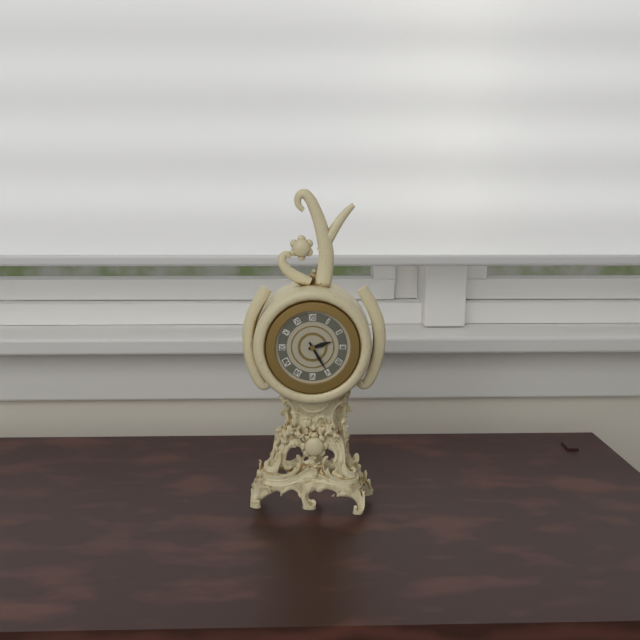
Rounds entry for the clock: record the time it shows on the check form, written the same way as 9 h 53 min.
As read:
2 h 25 min
